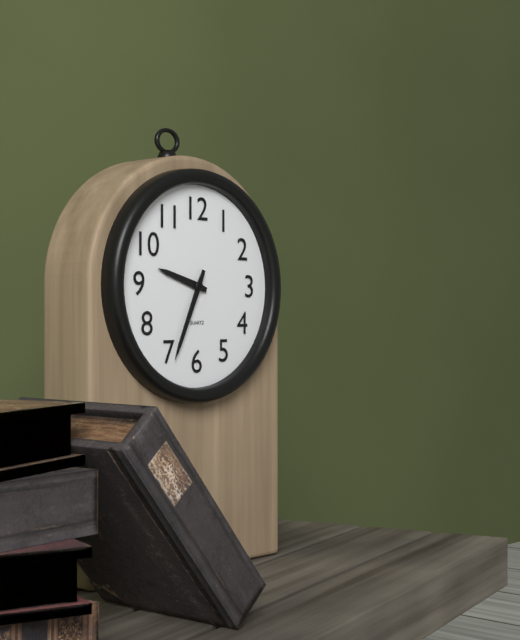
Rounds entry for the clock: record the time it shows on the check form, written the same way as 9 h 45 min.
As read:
9 h 34 min
